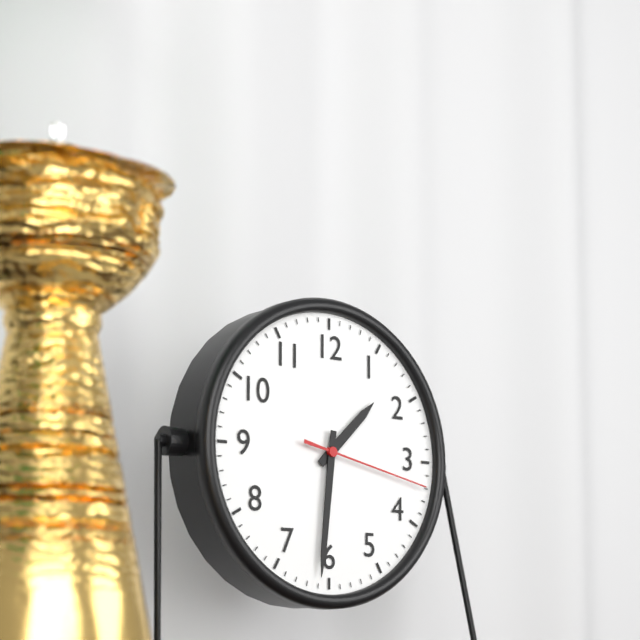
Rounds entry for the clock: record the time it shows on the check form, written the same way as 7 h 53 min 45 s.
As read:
1 h 31 min 17 s
